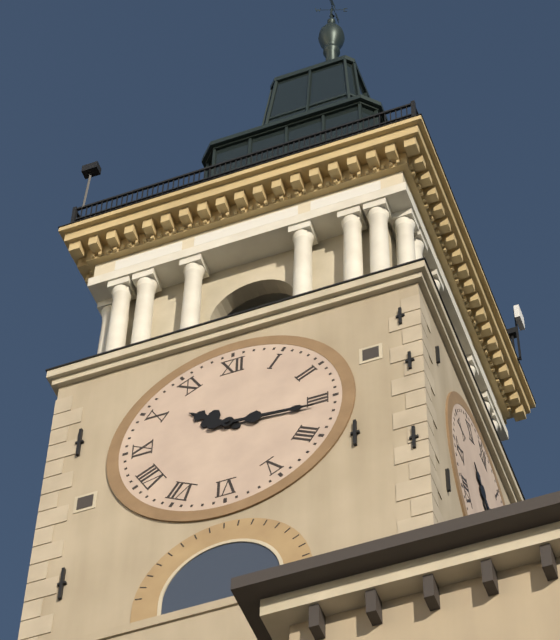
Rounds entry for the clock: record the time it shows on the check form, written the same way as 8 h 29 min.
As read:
10 h 16 min
